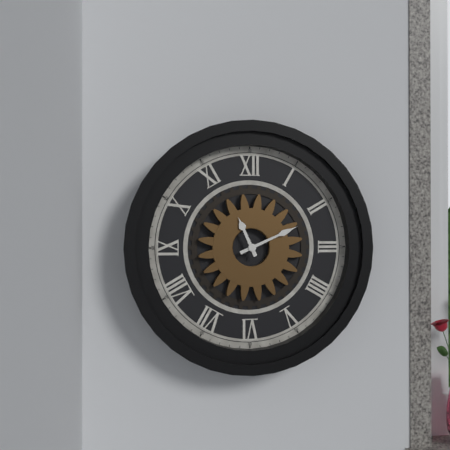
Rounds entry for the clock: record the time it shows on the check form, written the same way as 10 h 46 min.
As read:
11 h 11 min
